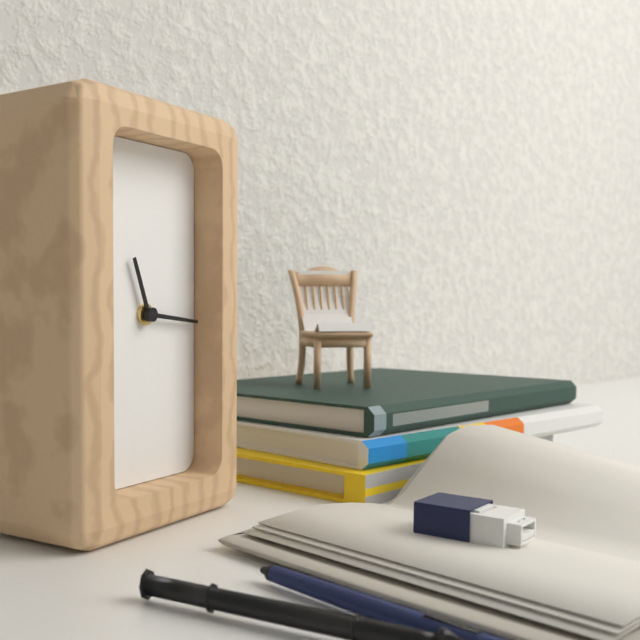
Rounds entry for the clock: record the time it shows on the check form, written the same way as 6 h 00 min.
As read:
11 h 16 min
